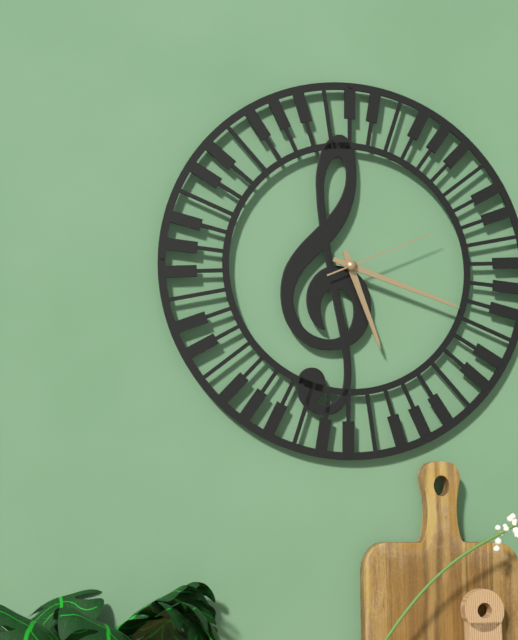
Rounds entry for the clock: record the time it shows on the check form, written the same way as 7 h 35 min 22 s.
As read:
5 h 18 min 11 s
